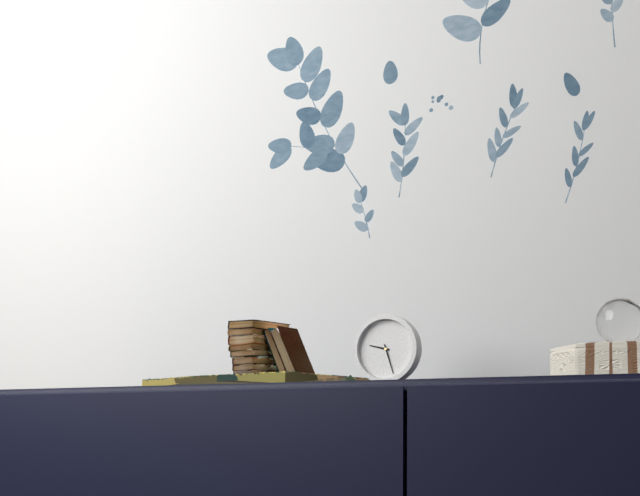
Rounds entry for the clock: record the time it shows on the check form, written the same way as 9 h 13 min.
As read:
9 h 27 min
